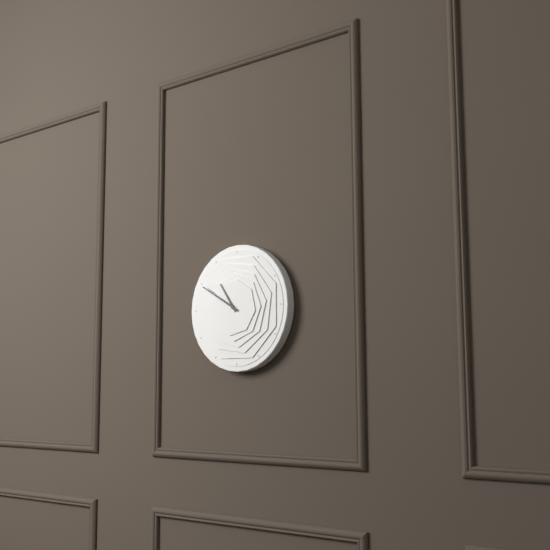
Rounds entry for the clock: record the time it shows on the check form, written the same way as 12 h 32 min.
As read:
10 h 50 min
